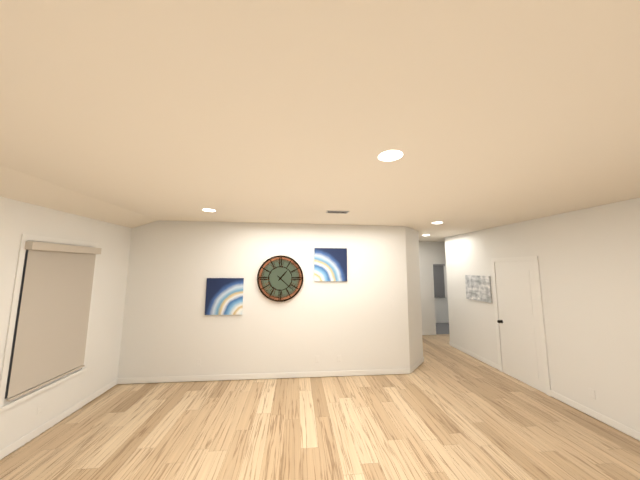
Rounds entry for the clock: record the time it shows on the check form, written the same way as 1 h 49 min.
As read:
1 h 22 min
